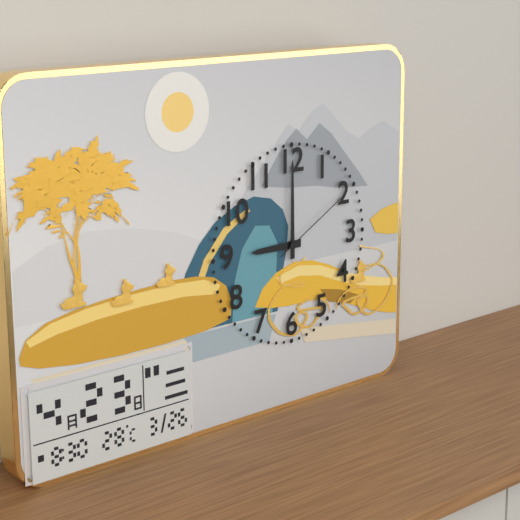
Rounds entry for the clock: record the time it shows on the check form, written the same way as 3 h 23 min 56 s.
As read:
9 h 00 min 10 s
